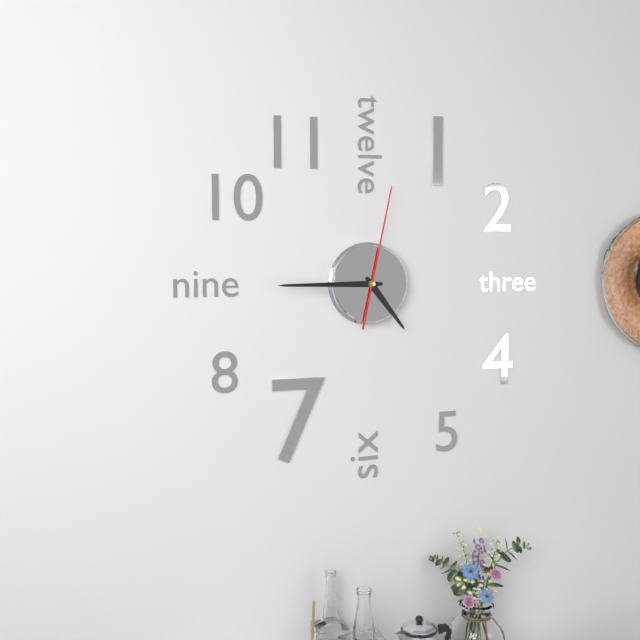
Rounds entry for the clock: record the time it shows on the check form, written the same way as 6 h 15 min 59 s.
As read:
4 h 45 min 02 s
